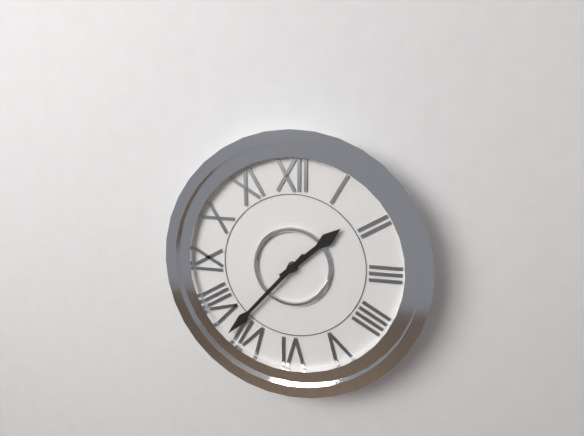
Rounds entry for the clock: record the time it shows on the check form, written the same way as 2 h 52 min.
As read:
1 h 37 min
